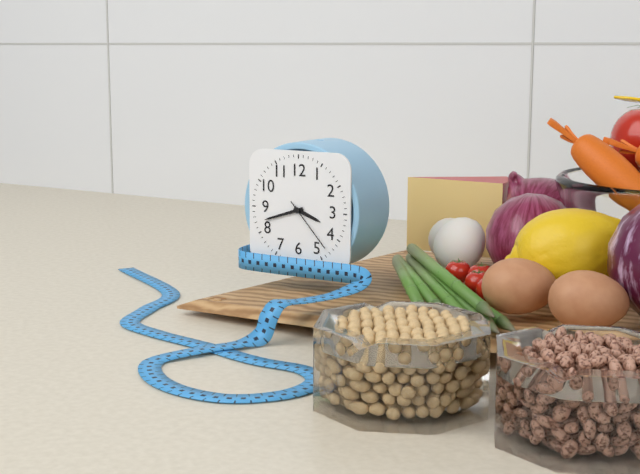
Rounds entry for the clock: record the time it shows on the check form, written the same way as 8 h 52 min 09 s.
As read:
3 h 42 min 23 s
